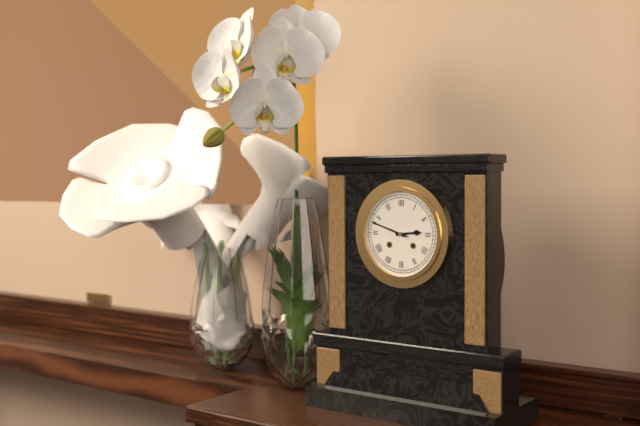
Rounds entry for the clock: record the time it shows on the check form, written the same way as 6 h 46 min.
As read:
2 h 48 min
